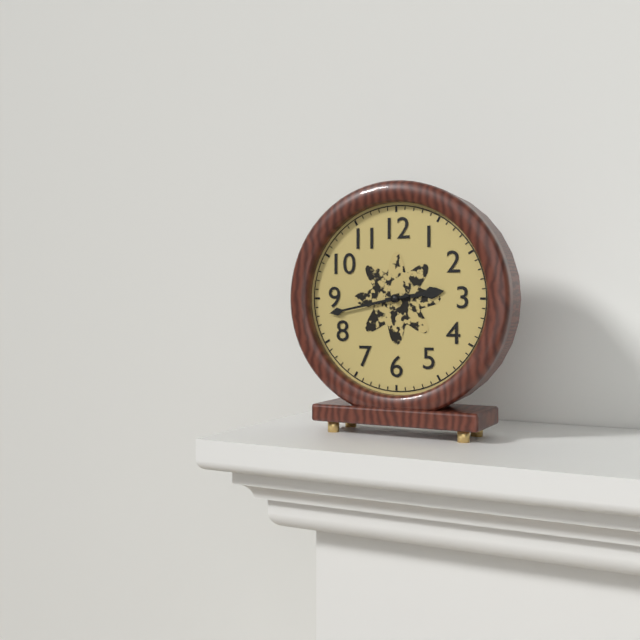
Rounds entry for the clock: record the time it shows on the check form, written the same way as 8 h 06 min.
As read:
2 h 43 min
